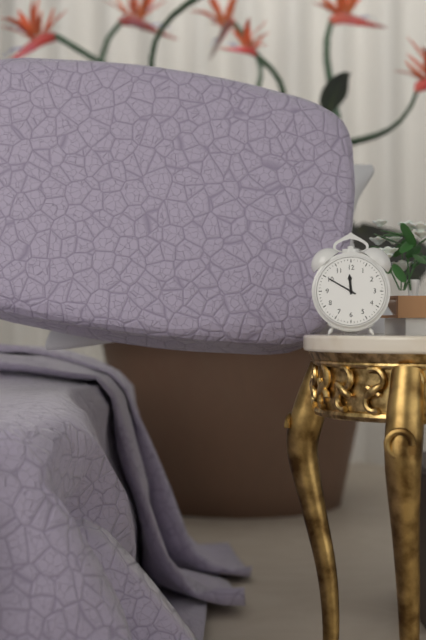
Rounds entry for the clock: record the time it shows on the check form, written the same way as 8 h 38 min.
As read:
11 h 50 min
